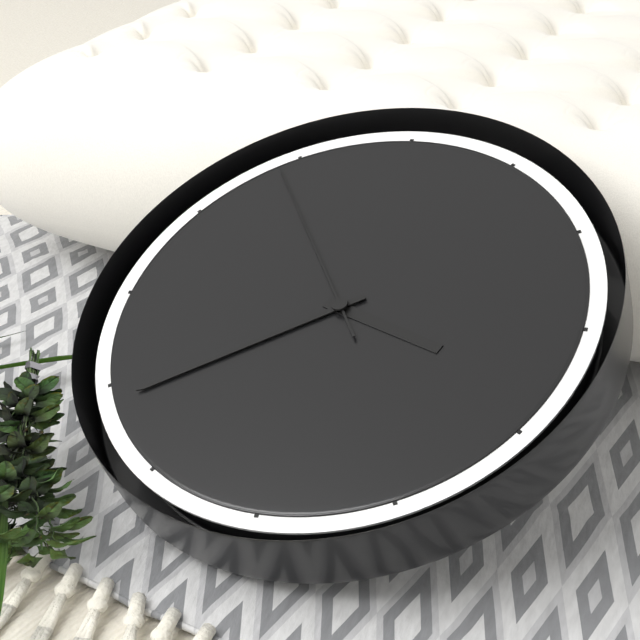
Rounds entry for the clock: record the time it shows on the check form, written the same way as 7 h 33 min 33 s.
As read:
3 h 39 min 54 s
